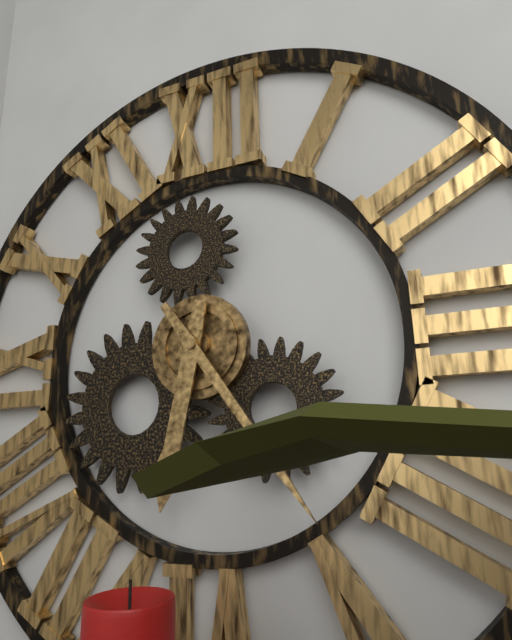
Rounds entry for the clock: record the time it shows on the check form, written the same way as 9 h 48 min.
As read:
6 h 24 min
